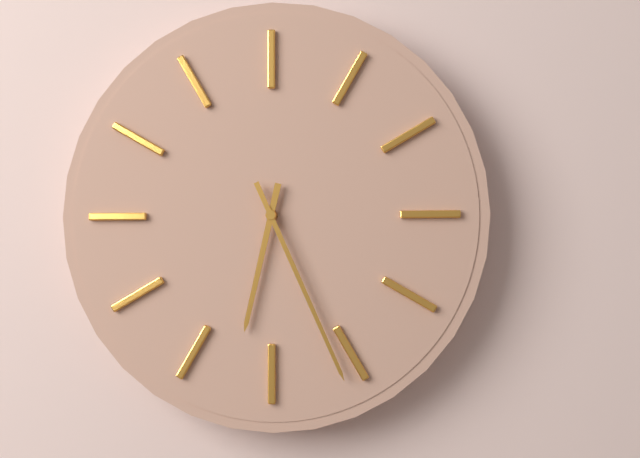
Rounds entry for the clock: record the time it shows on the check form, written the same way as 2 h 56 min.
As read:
6 h 26 min
